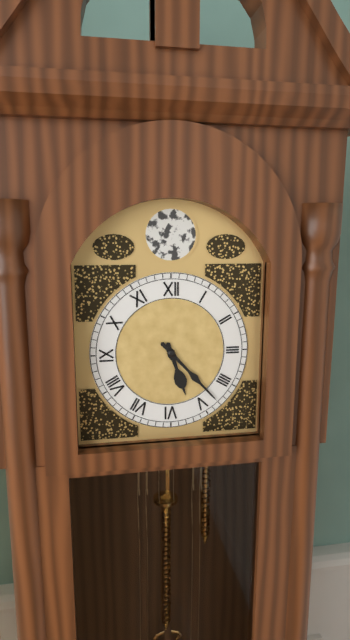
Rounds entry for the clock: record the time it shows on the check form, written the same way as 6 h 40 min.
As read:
5 h 23 min
